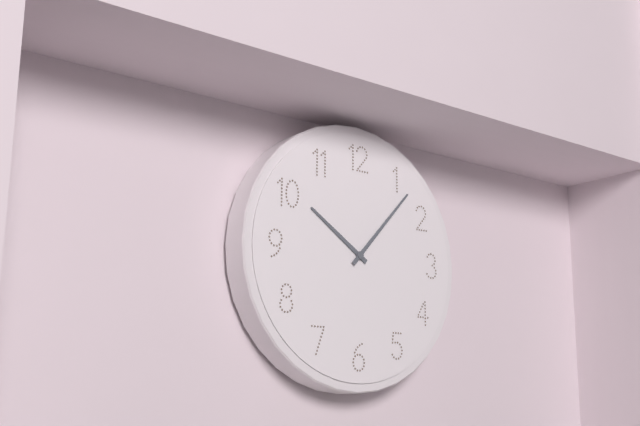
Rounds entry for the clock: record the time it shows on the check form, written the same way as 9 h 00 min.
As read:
10 h 07 min
